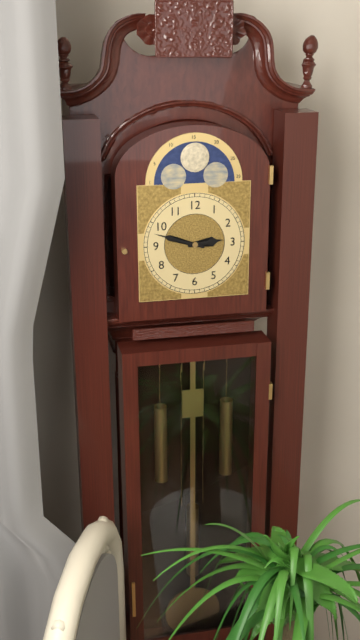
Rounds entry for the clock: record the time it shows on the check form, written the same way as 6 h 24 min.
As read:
2 h 48 min
